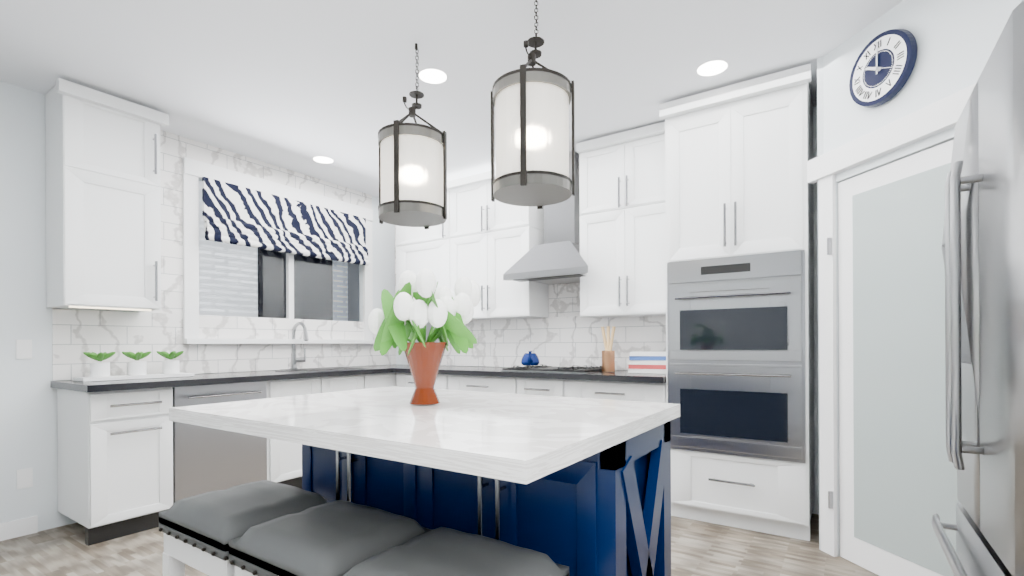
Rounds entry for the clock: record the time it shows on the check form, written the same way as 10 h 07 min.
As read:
10 h 00 min
